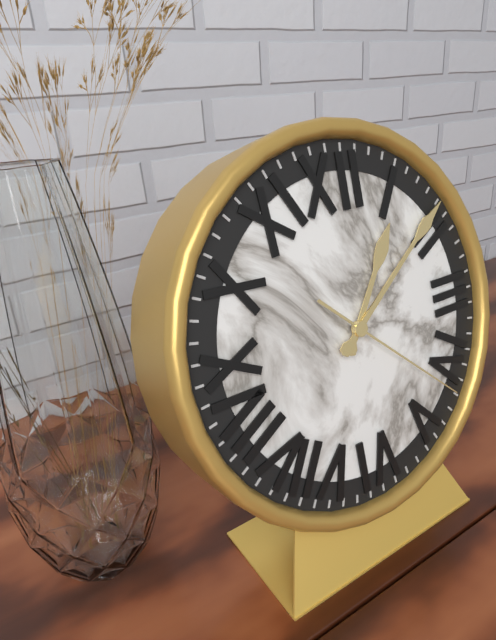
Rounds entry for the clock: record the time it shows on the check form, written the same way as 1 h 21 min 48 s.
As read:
1 h 09 min 22 s
